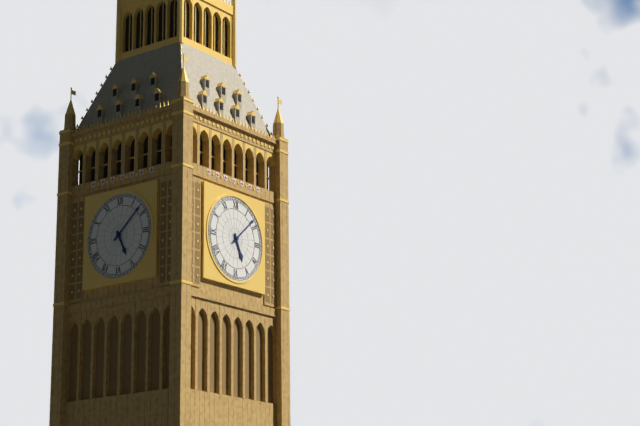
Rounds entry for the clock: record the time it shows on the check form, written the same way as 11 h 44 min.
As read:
5 h 08 min
